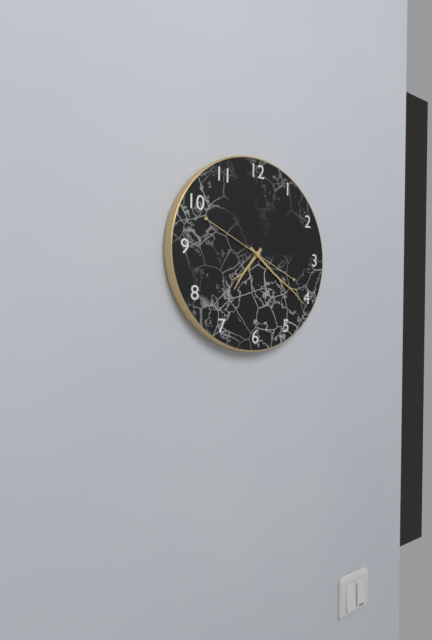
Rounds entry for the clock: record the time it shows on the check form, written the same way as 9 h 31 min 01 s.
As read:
7 h 21 min 49 s
